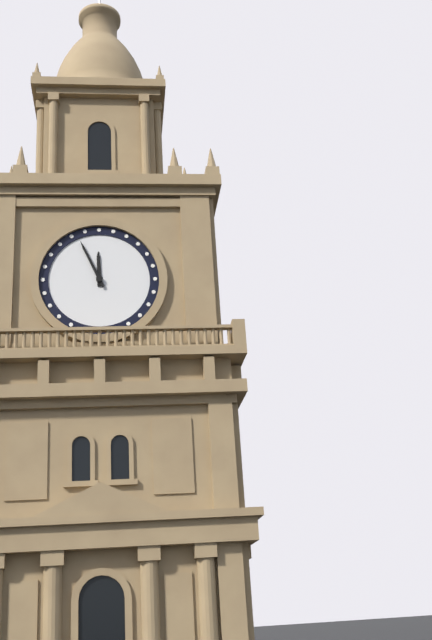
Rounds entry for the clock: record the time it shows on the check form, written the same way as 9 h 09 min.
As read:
11 h 56 min
